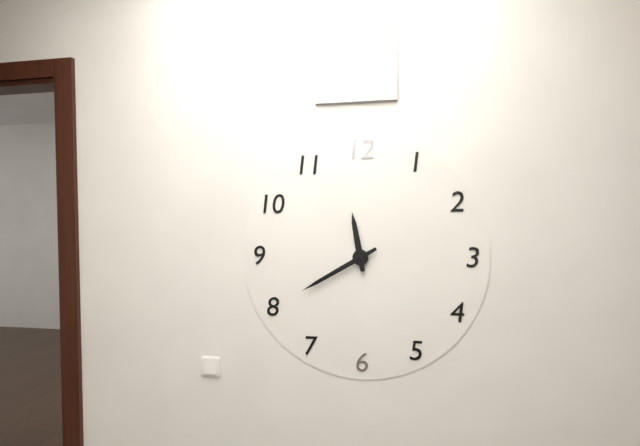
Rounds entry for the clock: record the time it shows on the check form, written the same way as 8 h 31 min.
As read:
11 h 40 min
